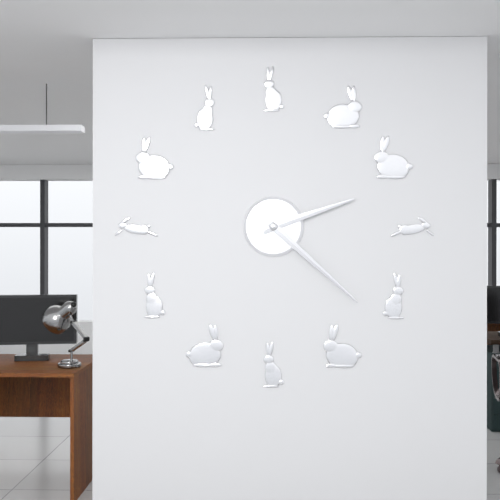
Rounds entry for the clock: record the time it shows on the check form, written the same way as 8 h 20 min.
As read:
2 h 22 min
